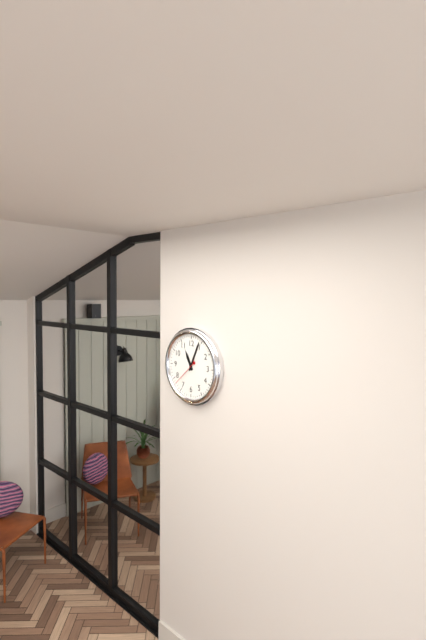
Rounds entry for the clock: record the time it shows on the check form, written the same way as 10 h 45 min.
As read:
11 h 04 min
